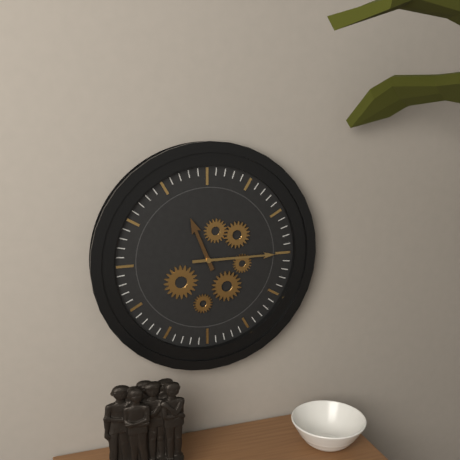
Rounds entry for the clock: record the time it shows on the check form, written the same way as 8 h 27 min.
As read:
11 h 15 min
